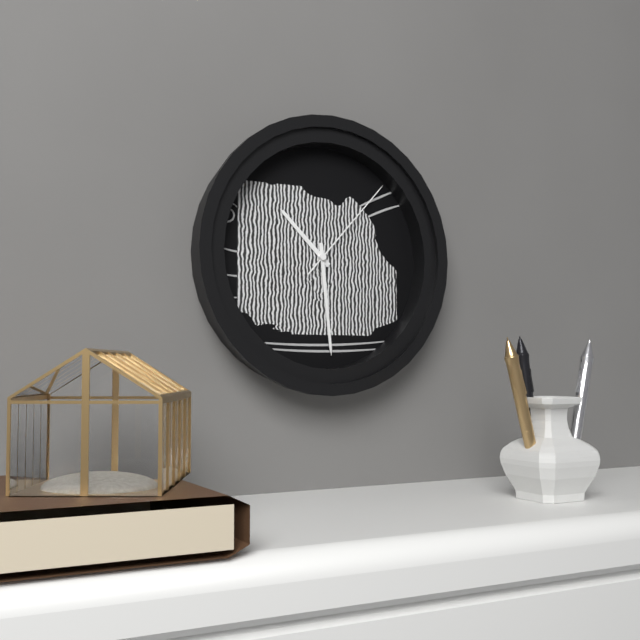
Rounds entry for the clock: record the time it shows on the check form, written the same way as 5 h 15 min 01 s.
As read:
10 h 29 min 07 s
